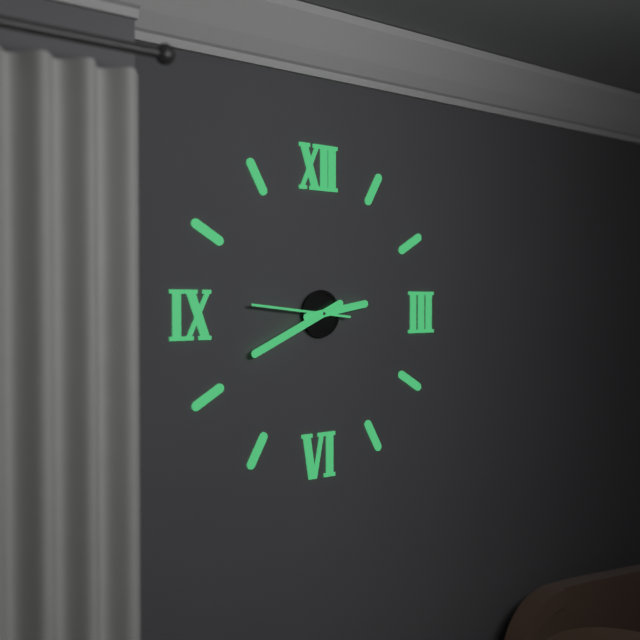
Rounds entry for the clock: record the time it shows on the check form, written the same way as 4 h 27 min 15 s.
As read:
2 h 41 min 46 s
